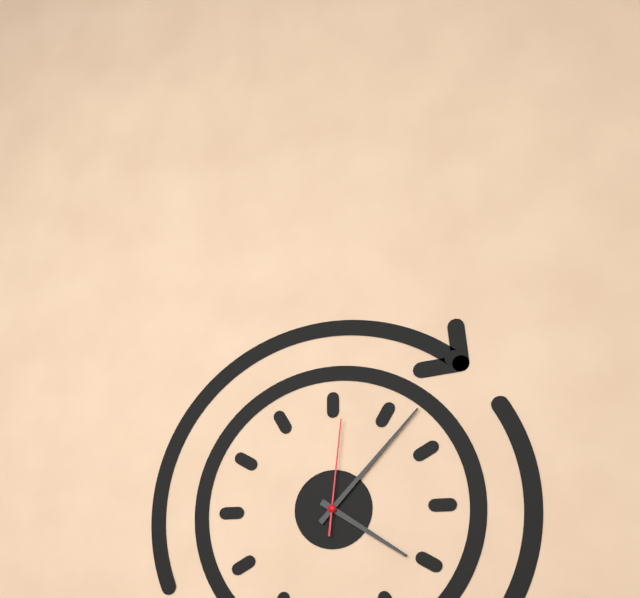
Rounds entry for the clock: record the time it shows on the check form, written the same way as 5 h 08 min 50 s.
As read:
4 h 07 min 01 s
